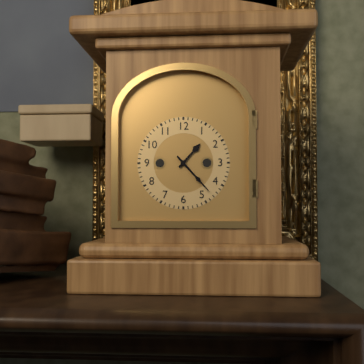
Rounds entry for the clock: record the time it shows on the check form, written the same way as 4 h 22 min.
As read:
1 h 23 min
